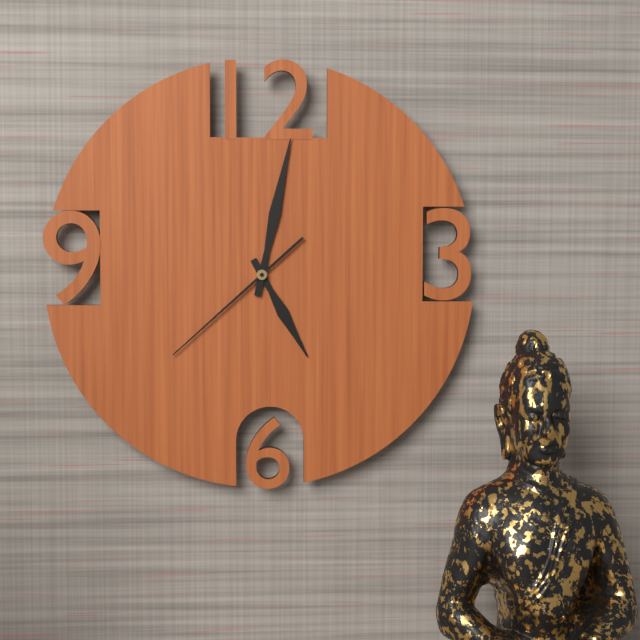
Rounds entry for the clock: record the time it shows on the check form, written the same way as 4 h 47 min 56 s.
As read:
5 h 02 min 38 s
